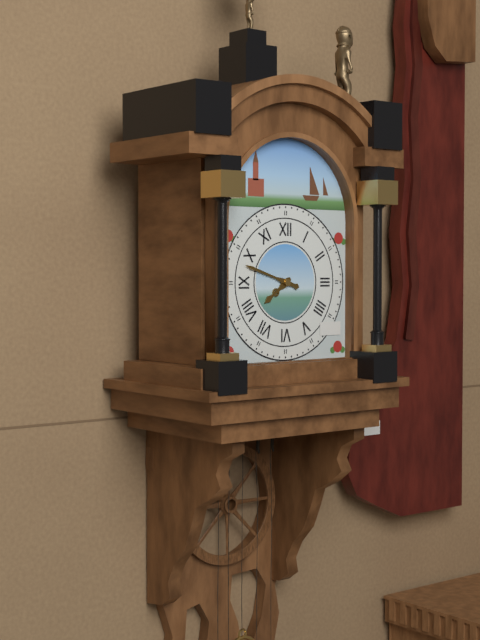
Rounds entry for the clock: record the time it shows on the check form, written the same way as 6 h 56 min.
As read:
7 h 48 min
